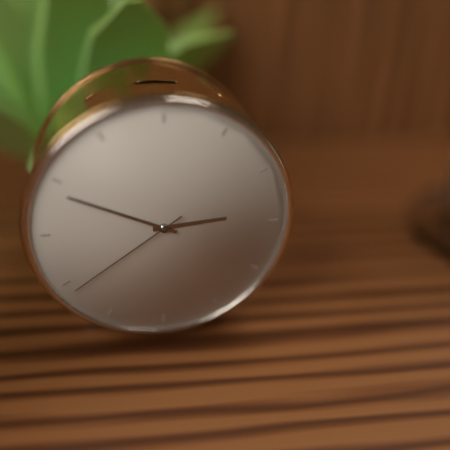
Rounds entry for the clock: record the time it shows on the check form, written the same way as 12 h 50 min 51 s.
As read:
2 h 49 min 39 s
